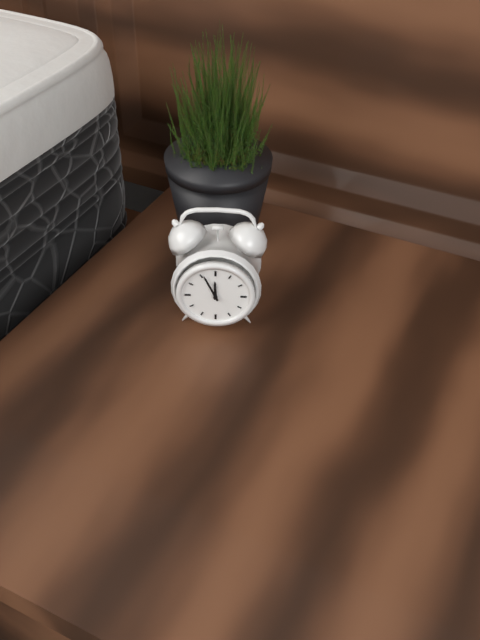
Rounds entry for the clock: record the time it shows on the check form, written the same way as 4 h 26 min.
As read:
11 h 56 min
